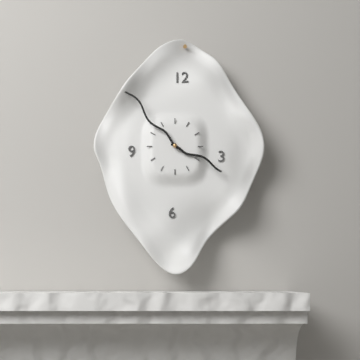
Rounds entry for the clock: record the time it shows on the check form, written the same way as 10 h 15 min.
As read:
3 h 53 min
